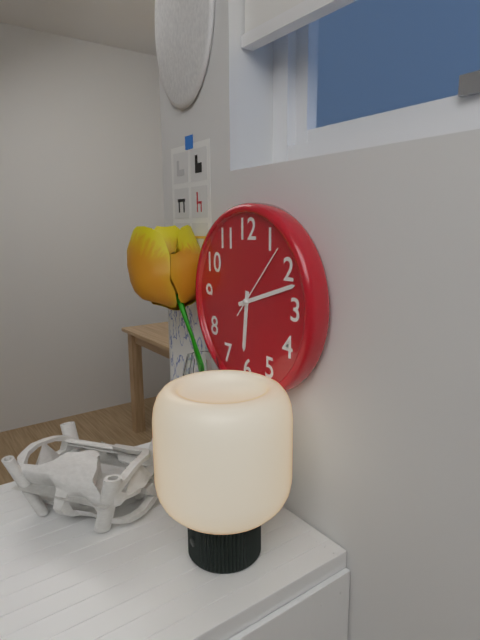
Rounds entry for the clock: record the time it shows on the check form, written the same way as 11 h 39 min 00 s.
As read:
6 h 12 min 07 s
